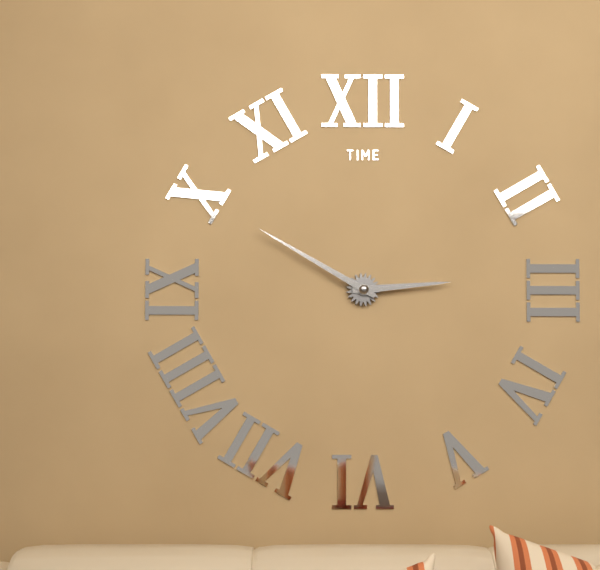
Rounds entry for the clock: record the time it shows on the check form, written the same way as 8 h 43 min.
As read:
2 h 50 min
